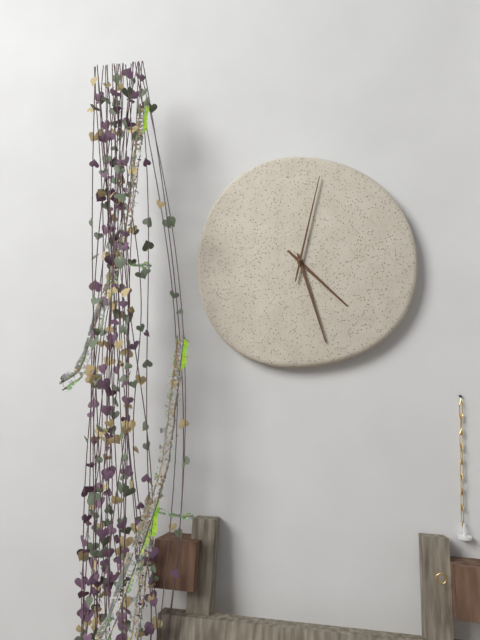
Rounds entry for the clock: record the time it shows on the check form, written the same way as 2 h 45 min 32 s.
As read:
4 h 27 min 02 s
